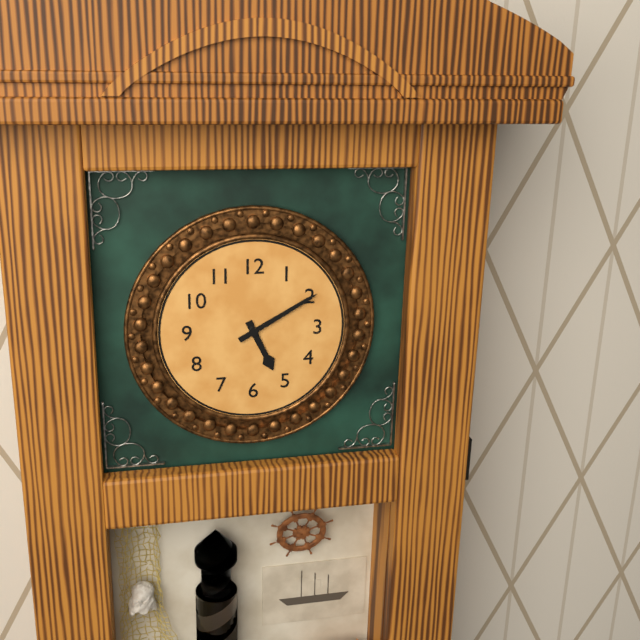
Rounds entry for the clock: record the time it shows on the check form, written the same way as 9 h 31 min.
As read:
5 h 10 min
